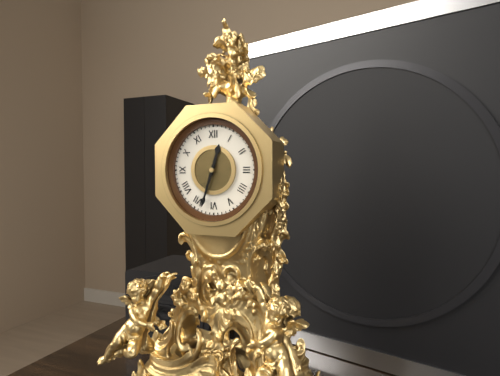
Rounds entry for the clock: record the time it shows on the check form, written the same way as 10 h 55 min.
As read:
12 h 33 min
